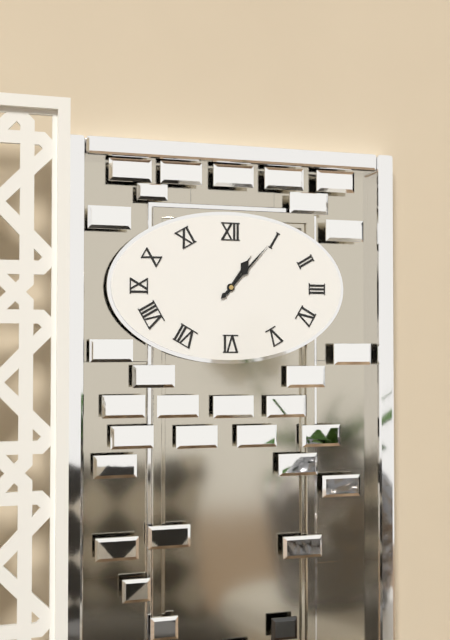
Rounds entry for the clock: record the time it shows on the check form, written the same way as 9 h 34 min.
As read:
1 h 07 min
